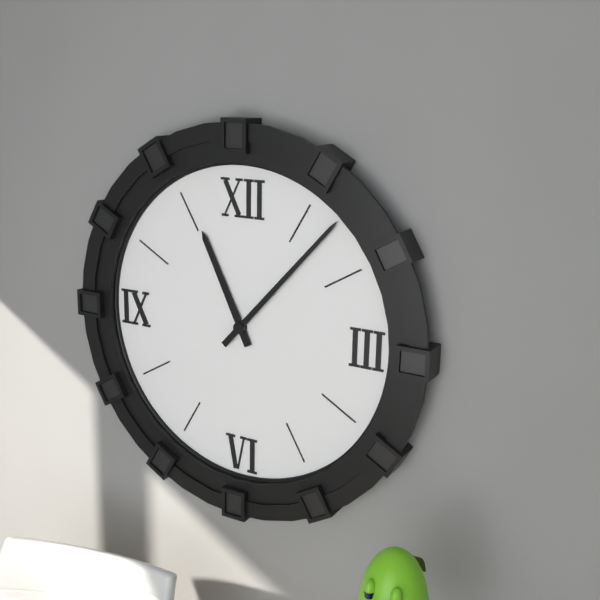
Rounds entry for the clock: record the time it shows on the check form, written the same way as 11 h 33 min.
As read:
11 h 07 min
